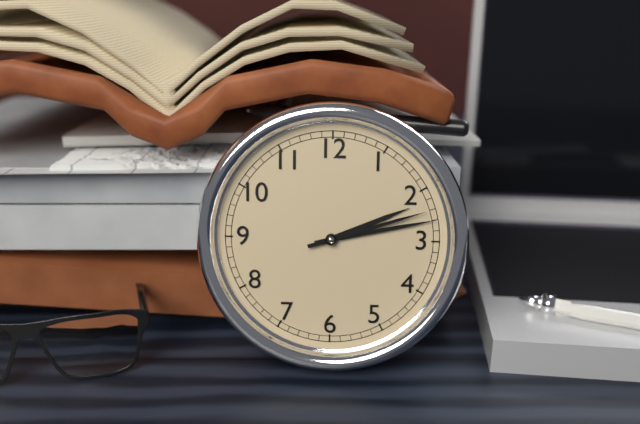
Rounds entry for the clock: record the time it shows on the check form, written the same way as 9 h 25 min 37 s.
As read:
2 h 13 min 12 s
